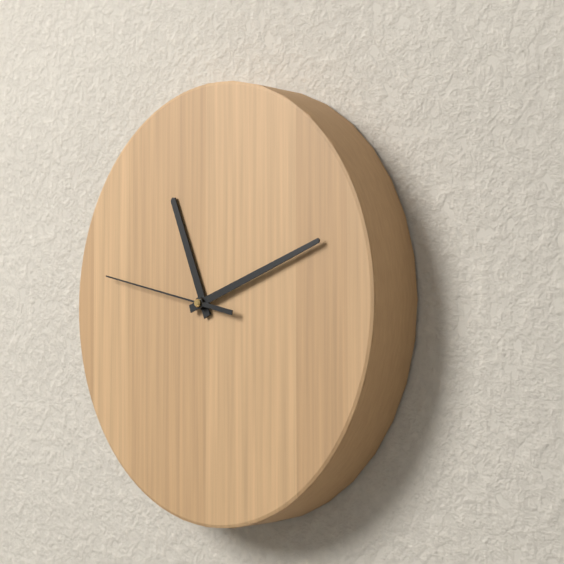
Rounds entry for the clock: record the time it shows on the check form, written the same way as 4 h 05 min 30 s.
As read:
11 h 12 min 47 s
